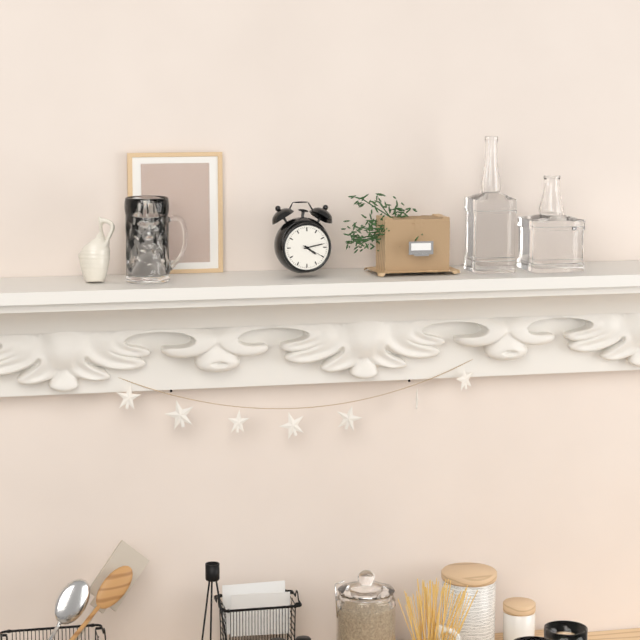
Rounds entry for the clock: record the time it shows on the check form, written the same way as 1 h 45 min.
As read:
4 h 13 min
